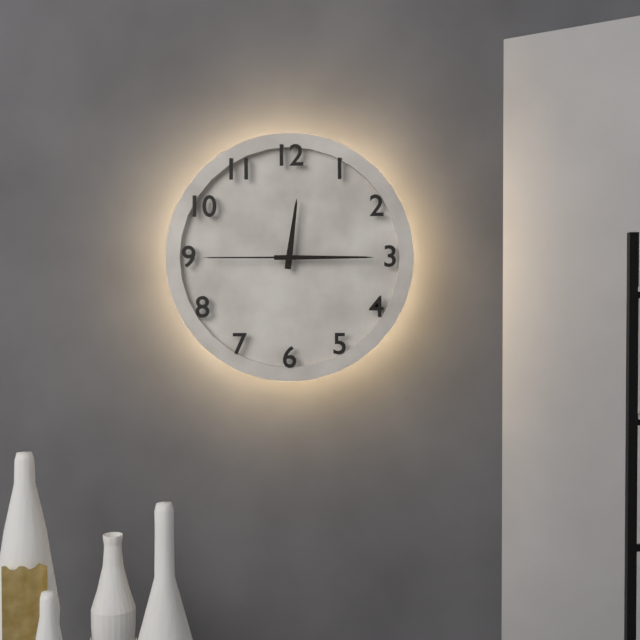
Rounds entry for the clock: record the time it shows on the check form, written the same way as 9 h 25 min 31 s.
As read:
12 h 15 min 45 s
